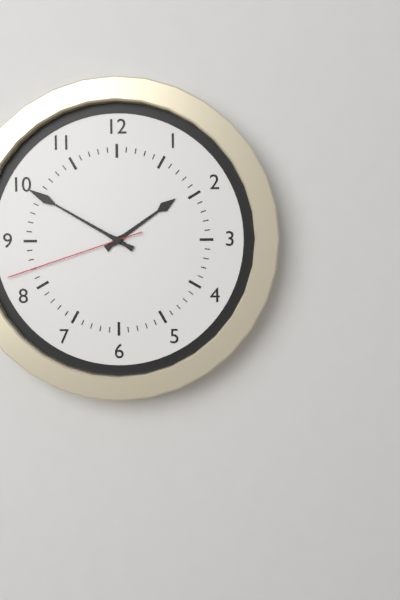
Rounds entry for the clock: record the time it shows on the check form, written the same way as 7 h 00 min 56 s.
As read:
1 h 50 min 42 s
